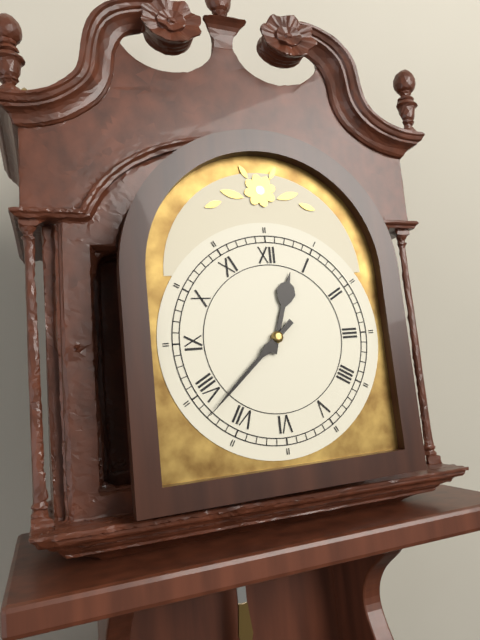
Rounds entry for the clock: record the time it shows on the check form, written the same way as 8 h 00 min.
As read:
12 h 38 min
